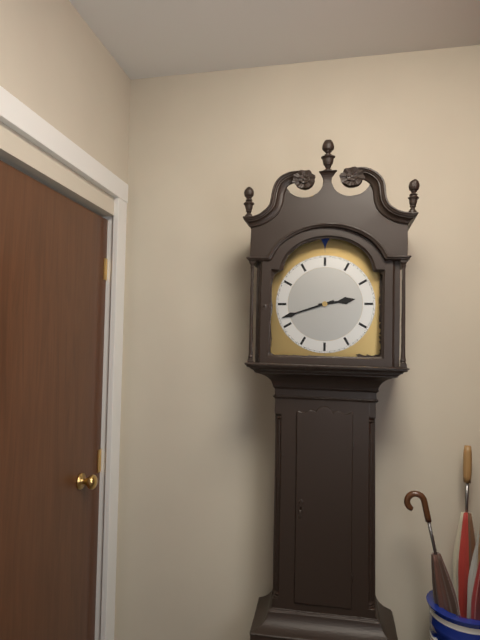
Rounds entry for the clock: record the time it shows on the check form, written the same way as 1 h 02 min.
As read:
2 h 42 min
